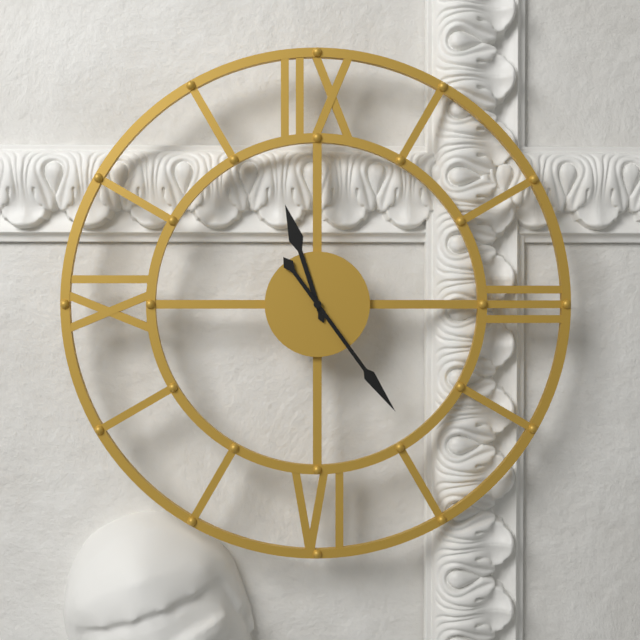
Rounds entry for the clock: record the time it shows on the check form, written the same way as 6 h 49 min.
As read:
11 h 24 min
